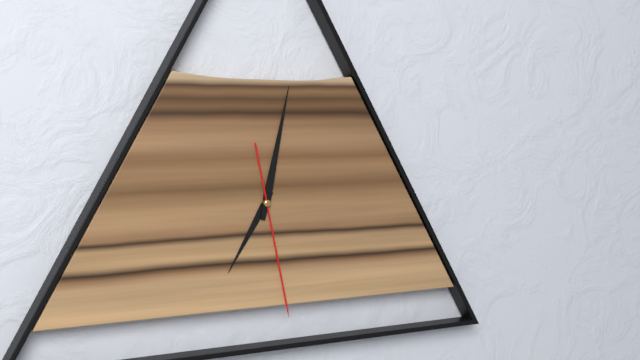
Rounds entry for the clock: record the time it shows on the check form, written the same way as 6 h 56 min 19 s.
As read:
7 h 02 min 28 s
